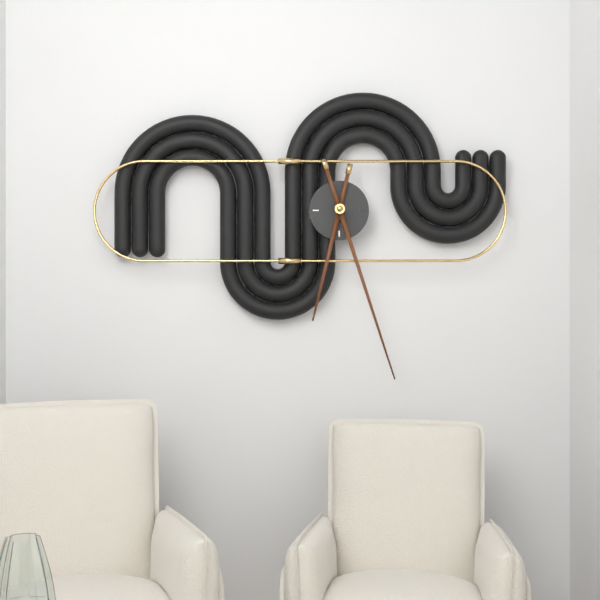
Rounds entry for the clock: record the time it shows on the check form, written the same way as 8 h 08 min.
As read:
6 h 27 min
